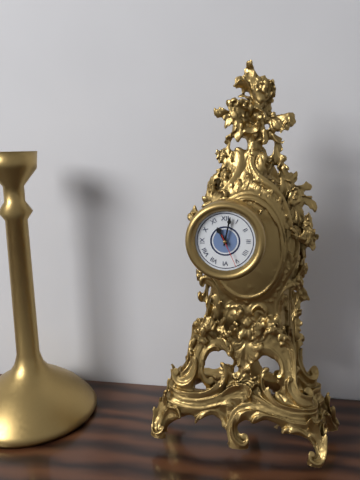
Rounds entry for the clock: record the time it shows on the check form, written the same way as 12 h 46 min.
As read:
11 h 02 min
